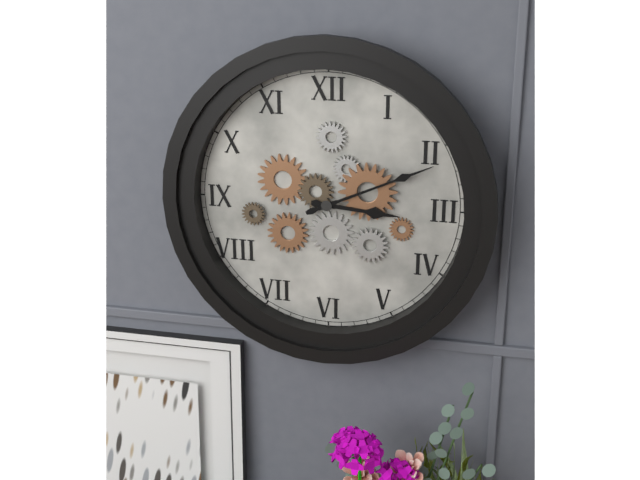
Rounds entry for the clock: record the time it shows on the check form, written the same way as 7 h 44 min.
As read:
3 h 11 min
